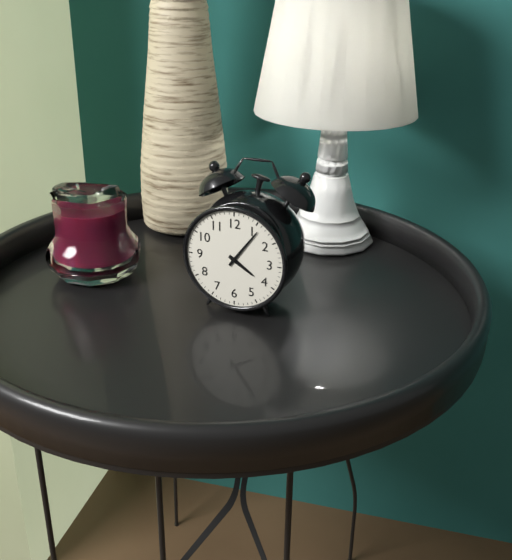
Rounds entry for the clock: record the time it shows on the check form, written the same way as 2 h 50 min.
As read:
4 h 06 min
